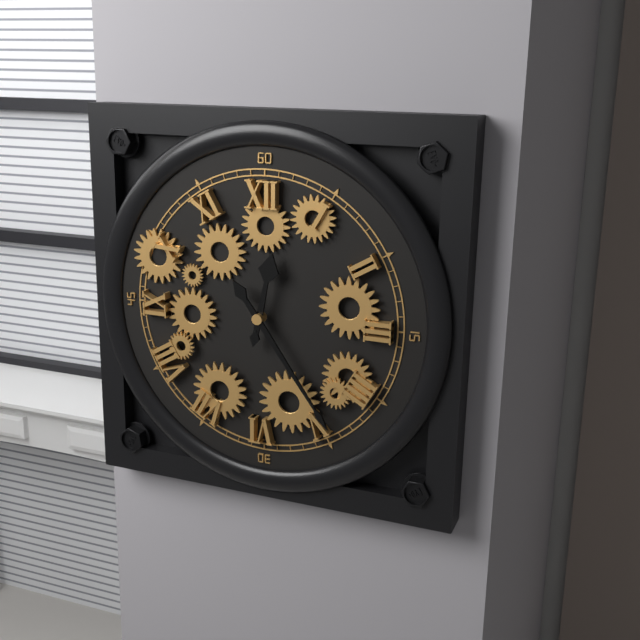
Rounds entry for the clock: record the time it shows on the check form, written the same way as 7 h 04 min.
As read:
12 h 24 min
